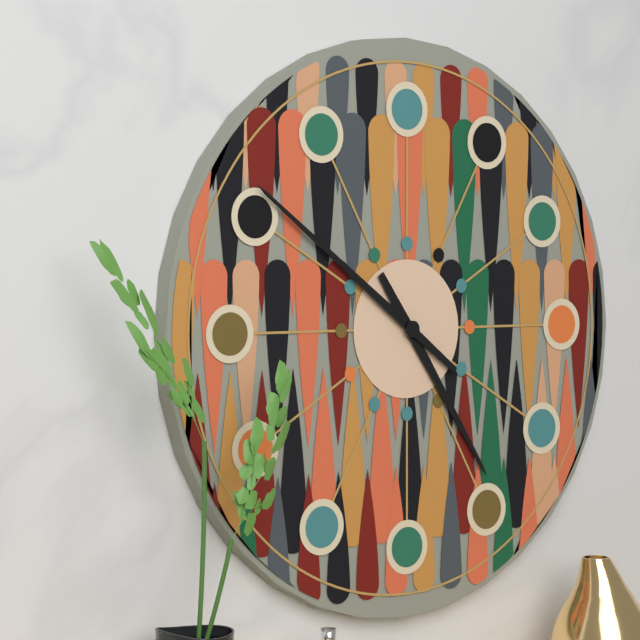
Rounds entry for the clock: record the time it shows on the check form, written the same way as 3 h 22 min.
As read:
4 h 51 min
